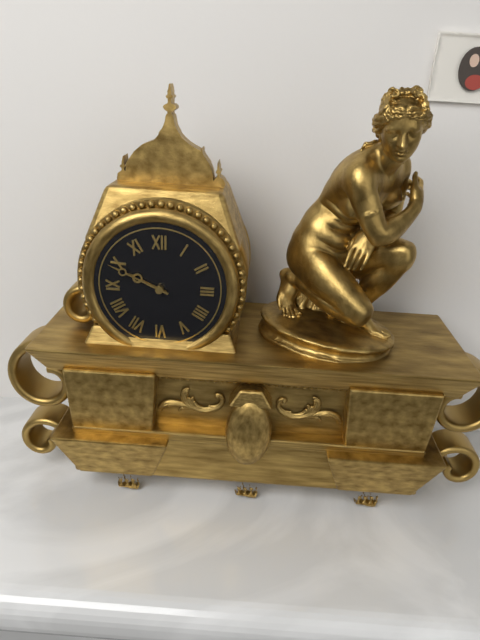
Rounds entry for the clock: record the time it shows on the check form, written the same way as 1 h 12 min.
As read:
9 h 49 min
